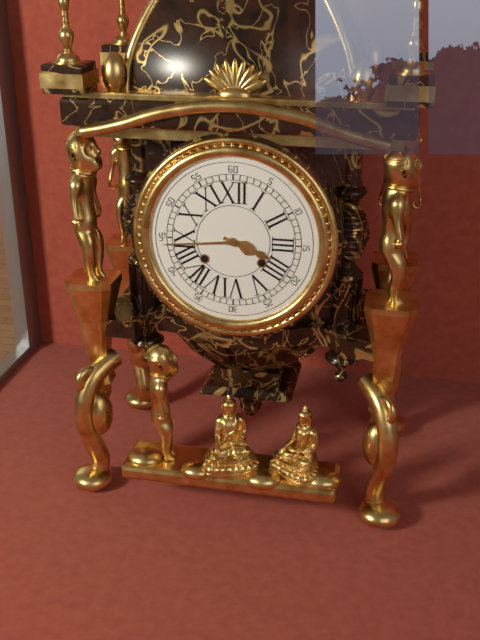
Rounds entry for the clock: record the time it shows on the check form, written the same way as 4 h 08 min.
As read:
3 h 44 min
